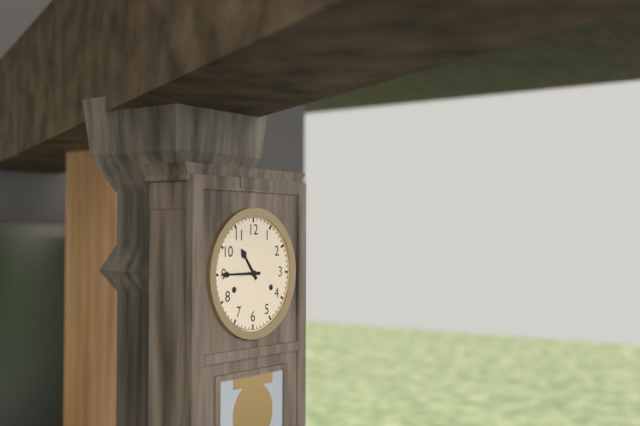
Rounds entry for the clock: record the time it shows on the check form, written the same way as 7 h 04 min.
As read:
10 h 45 min
